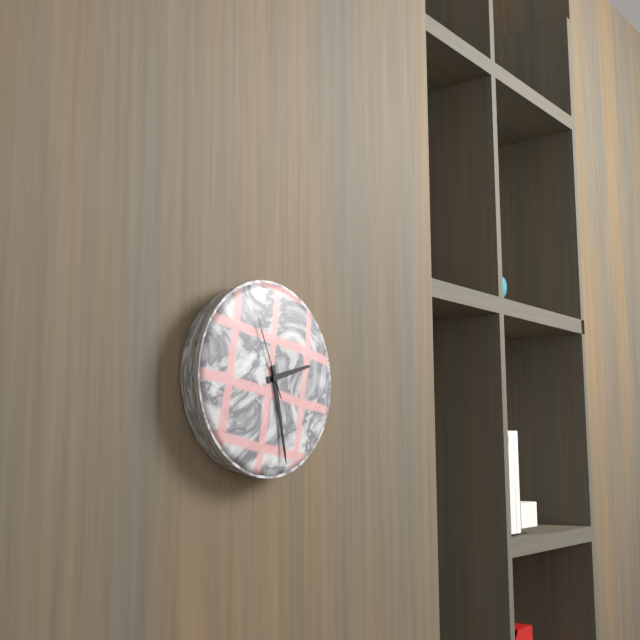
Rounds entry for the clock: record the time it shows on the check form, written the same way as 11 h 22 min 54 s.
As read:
2 h 28 min 56 s
